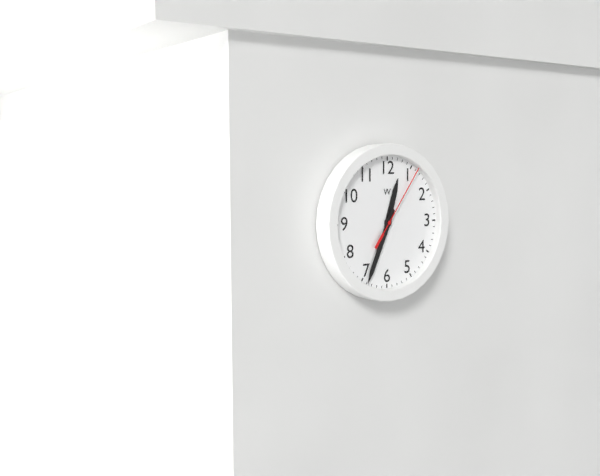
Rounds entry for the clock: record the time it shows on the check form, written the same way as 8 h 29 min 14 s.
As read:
12 h 34 min 06 s
